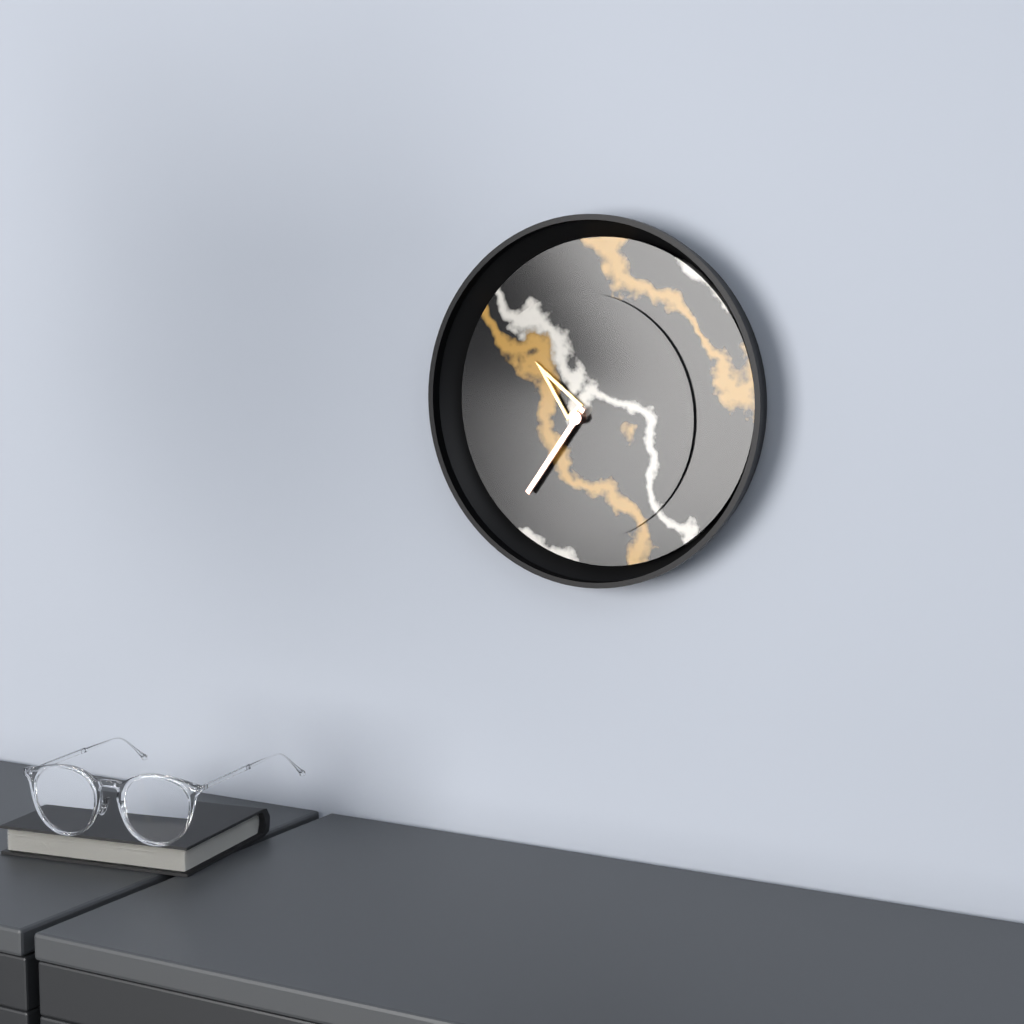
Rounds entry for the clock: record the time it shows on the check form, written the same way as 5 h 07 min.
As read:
10 h 36 min
